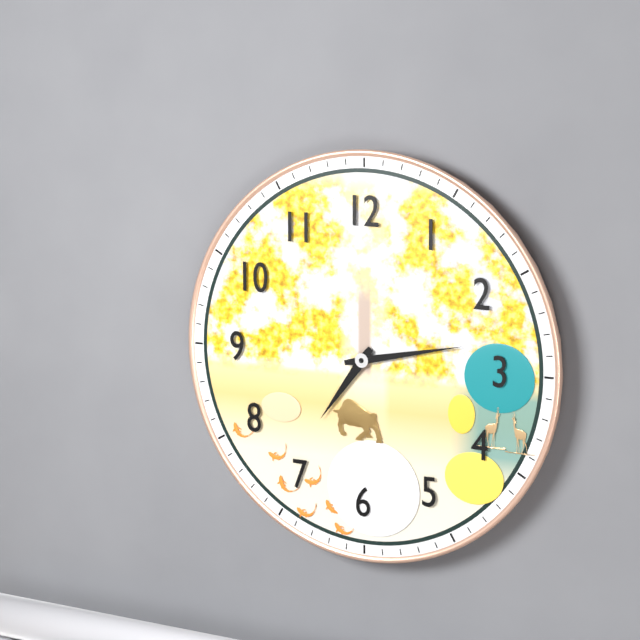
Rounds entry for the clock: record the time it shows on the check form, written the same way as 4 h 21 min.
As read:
7 h 13 min
